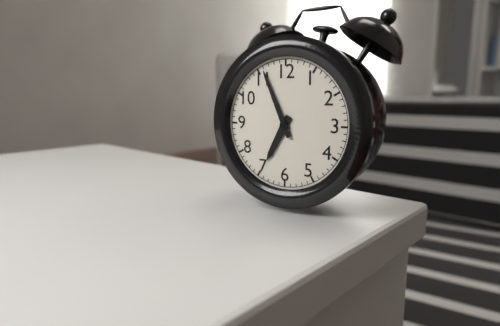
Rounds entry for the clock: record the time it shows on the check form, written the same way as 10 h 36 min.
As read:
6 h 56 min
